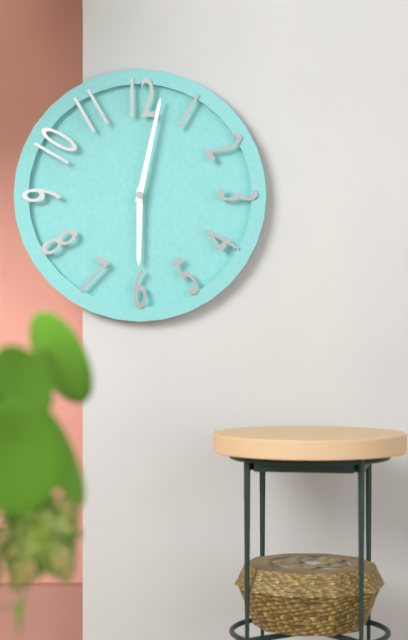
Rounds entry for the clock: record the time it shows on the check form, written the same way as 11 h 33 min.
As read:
6 h 02 min
